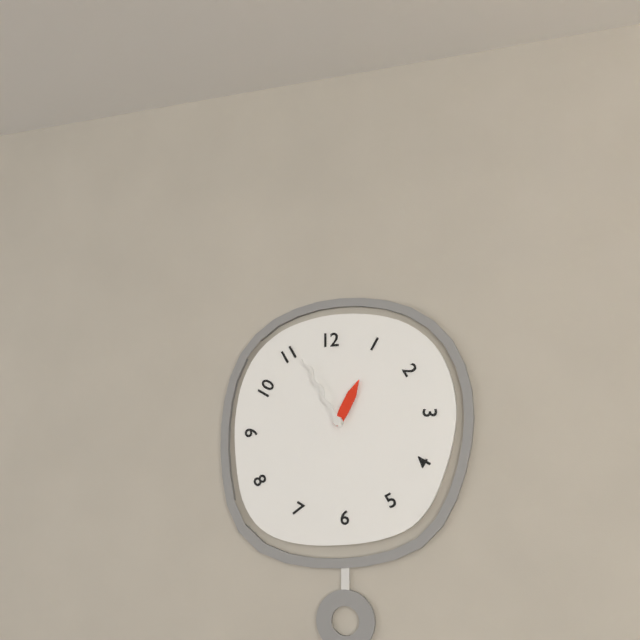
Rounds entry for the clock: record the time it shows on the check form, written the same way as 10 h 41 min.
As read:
12 h 55 min
